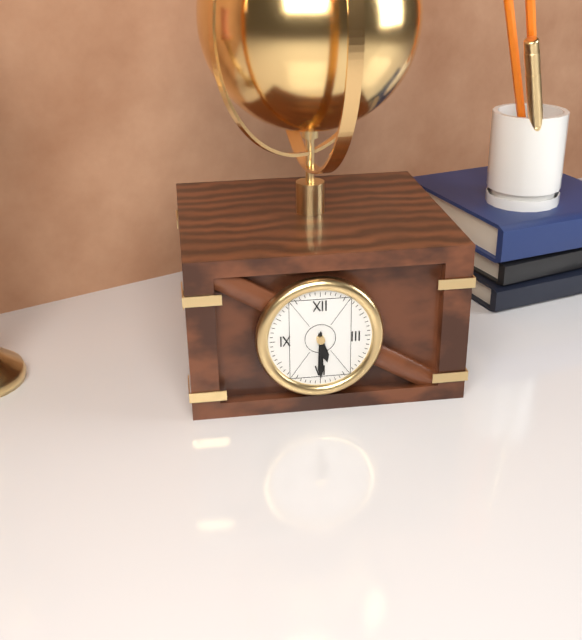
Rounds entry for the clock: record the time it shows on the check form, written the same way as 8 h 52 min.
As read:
5 h 30 min
